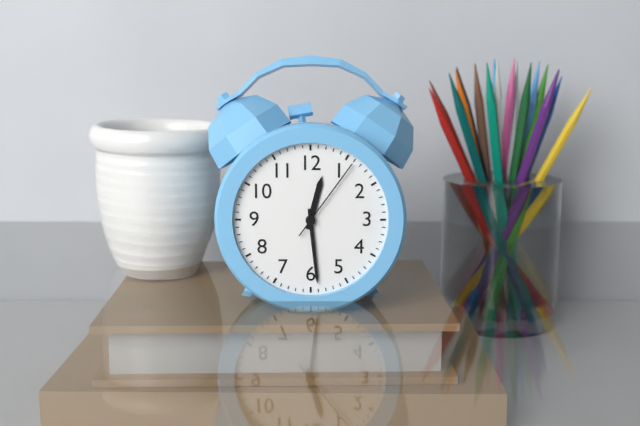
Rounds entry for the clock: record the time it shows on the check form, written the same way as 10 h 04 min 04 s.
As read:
12 h 29 min 06 s
